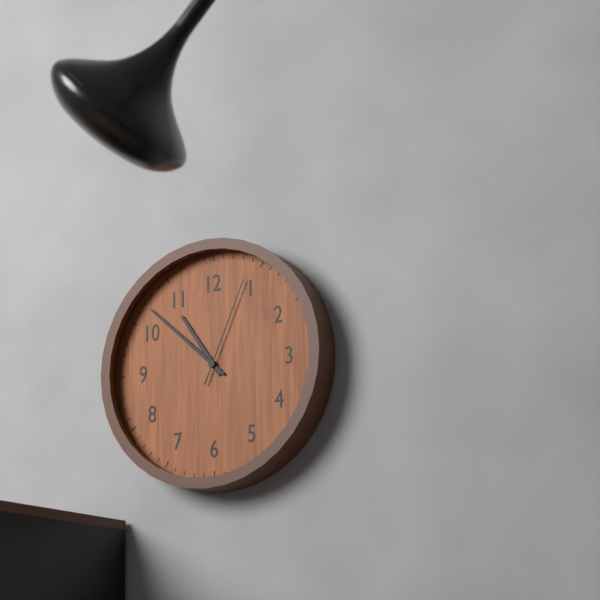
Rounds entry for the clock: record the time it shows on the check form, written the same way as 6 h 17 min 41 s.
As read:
10 h 52 min 04 s
